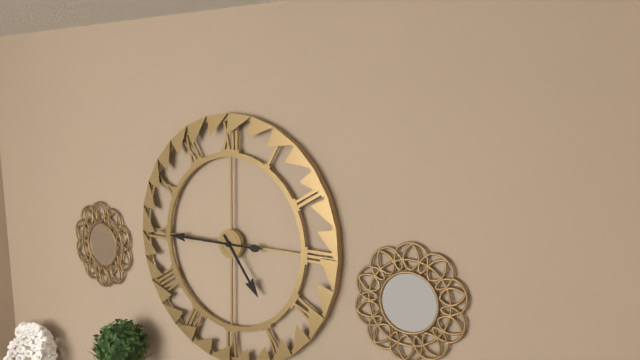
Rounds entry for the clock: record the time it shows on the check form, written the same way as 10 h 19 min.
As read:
4 h 45 min
